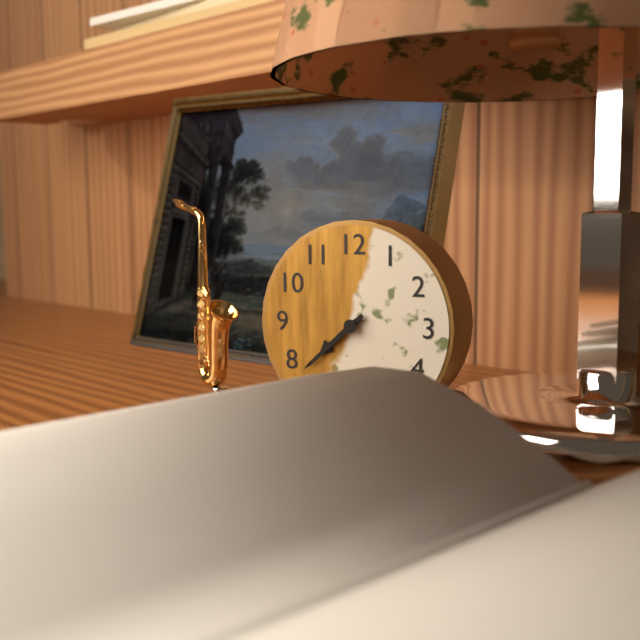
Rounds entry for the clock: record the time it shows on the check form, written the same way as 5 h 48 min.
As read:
7 h 38 min
